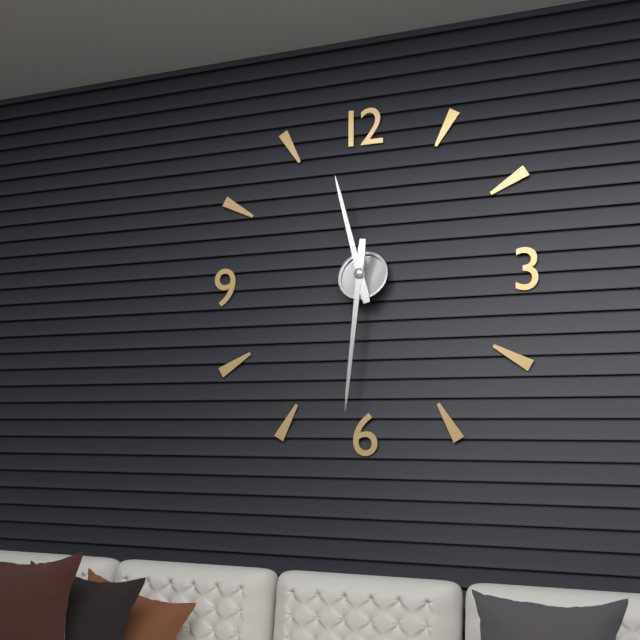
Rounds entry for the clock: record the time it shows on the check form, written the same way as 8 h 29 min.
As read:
11 h 31 min
